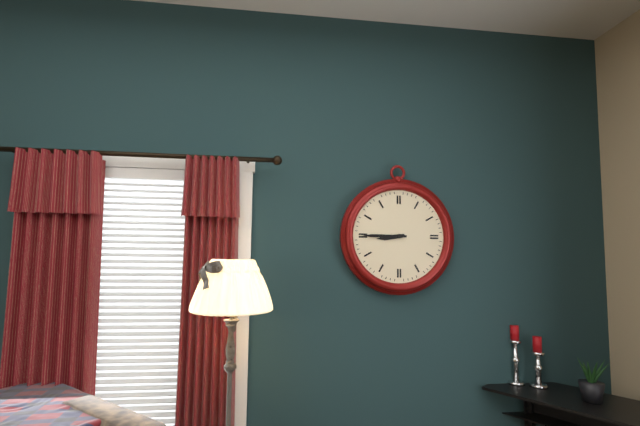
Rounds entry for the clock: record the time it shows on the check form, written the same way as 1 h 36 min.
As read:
8 h 45 min
